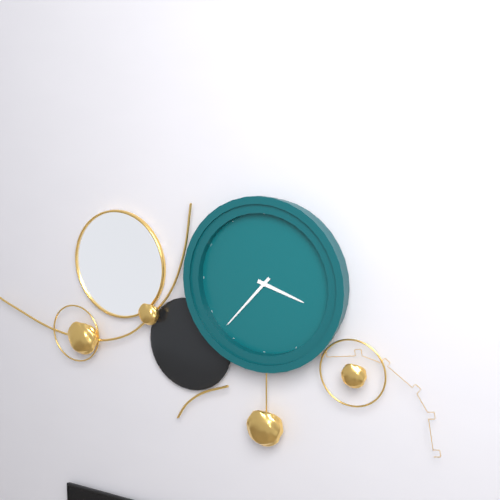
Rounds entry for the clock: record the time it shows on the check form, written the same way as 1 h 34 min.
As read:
3 h 37 min
